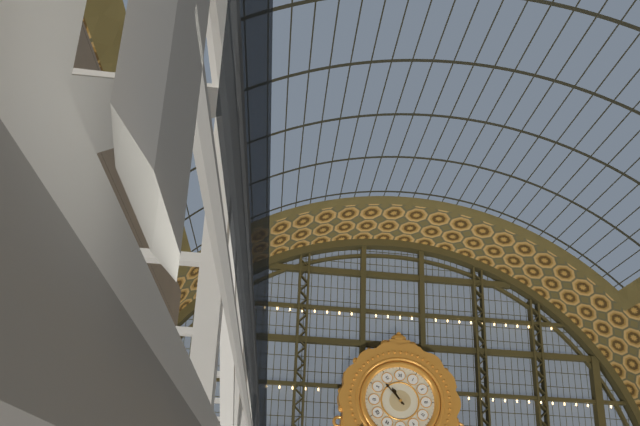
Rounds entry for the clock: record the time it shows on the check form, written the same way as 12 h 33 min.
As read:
10 h 53 min
